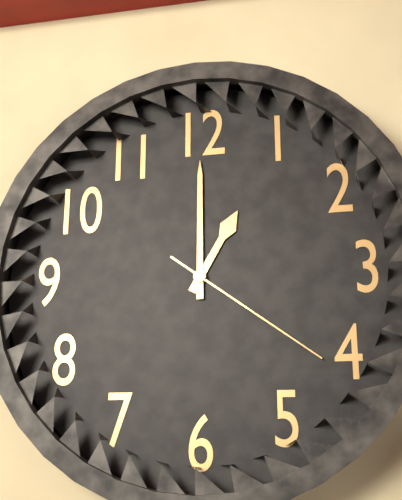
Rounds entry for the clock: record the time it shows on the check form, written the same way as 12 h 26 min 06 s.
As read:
1 h 00 min 21 s
